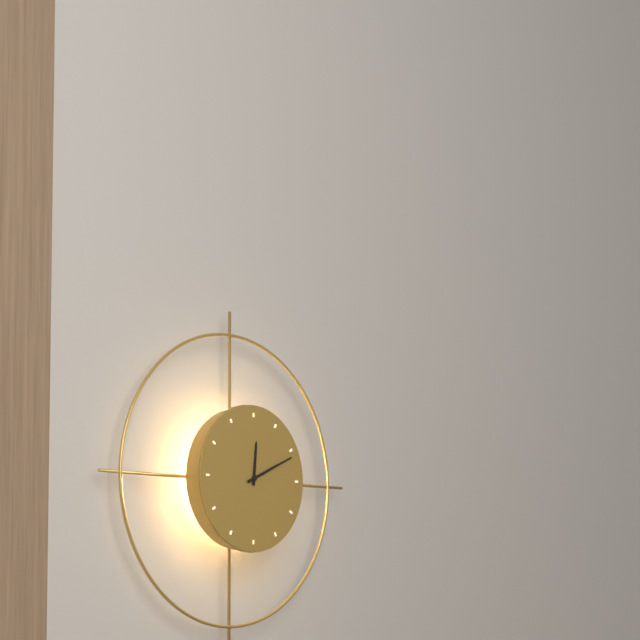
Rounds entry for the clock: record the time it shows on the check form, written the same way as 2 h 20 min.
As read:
12 h 11 min
